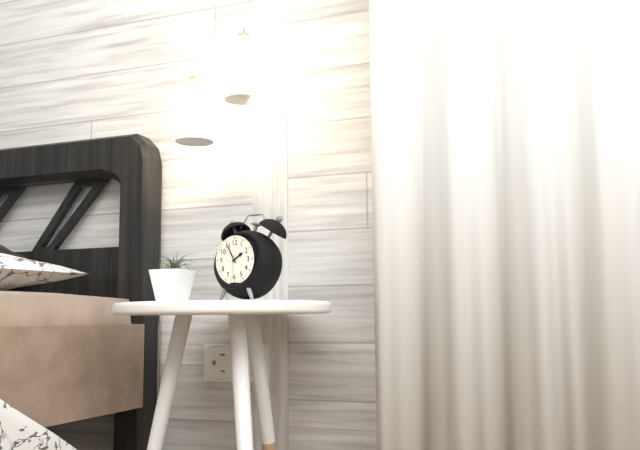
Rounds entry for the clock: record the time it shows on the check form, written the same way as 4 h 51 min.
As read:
1 h 55 min
